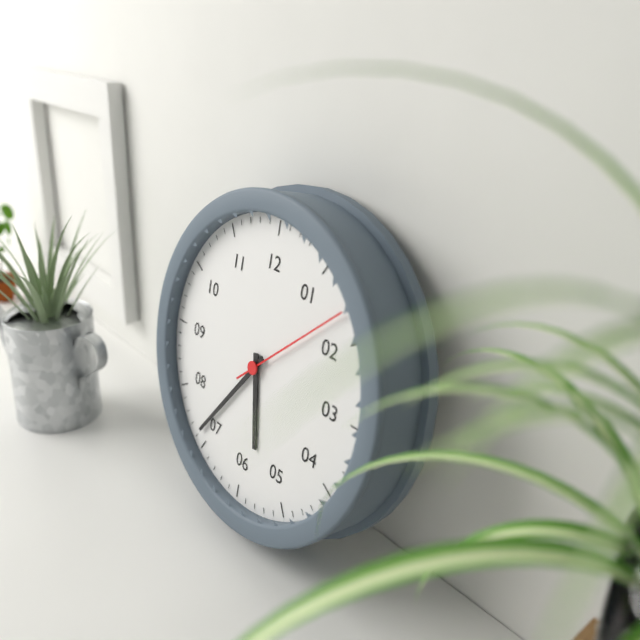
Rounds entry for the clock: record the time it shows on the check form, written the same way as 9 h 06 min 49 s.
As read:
5 h 36 min 08 s
